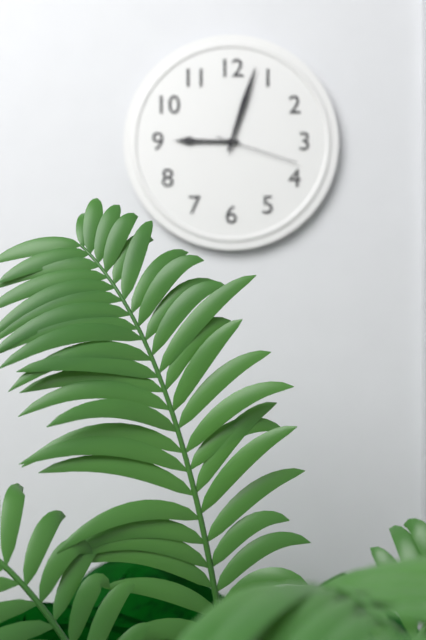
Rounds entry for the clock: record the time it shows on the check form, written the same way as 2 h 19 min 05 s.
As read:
9 h 03 min 18 s
